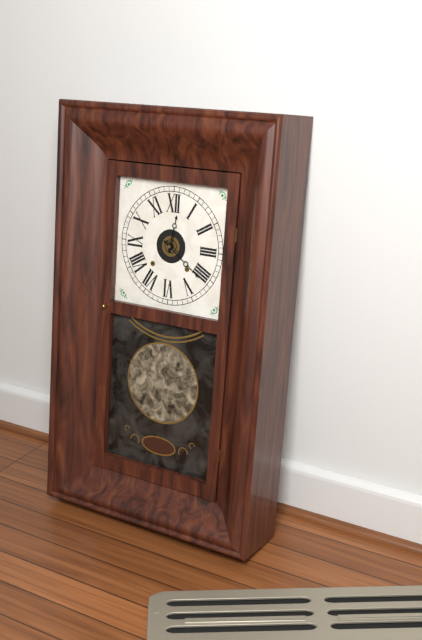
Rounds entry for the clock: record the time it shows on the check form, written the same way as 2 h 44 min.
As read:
12 h 21 min
